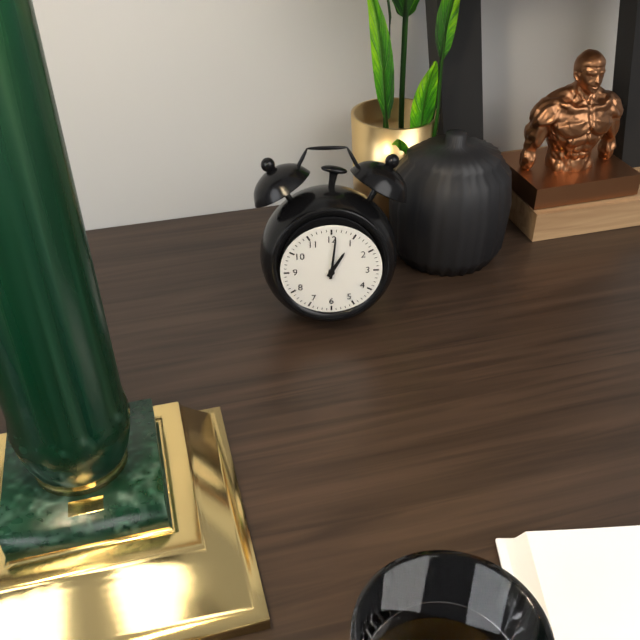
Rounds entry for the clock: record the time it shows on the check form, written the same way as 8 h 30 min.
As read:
1 h 01 min
